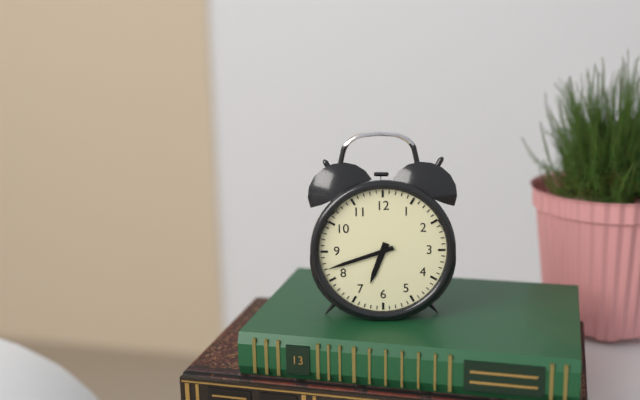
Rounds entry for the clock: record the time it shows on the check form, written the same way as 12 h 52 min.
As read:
6 h 42 min
